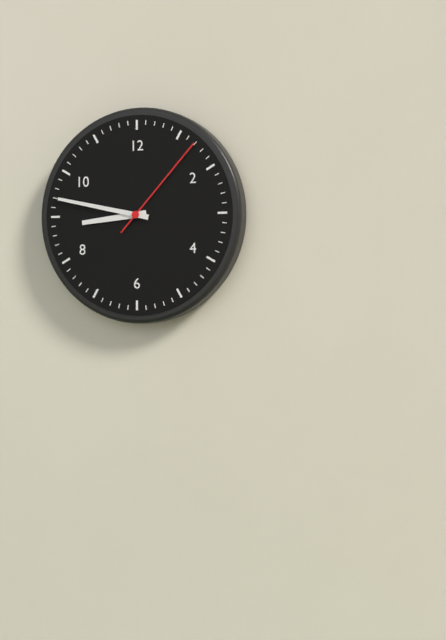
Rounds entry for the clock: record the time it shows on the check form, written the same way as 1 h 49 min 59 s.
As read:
8 h 47 min 07 s
